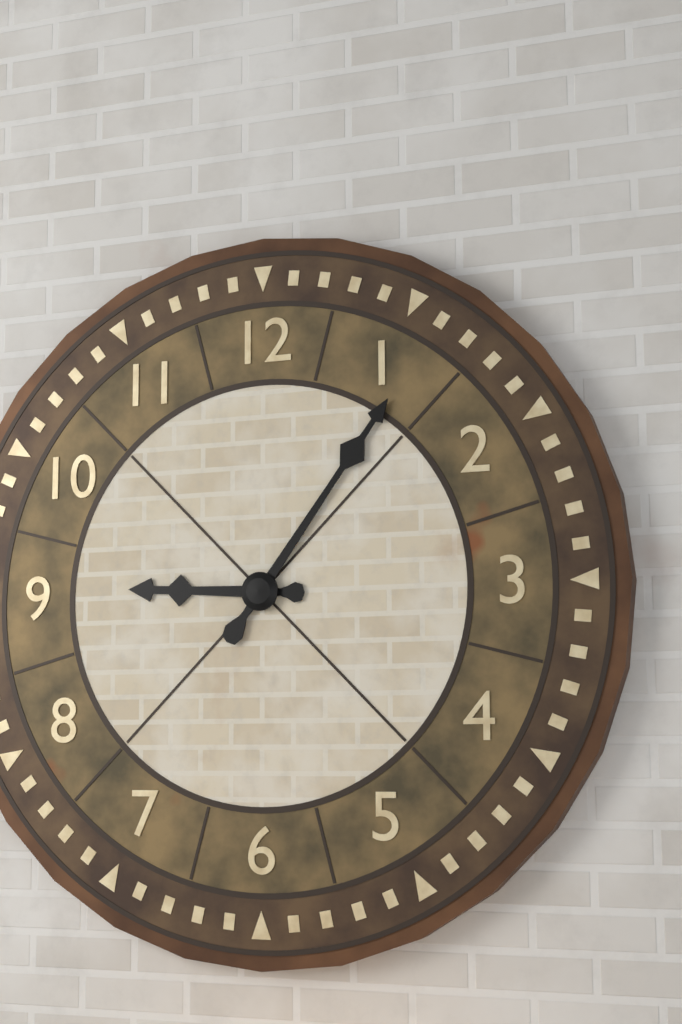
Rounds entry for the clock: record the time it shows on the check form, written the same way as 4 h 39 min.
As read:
9 h 06 min
